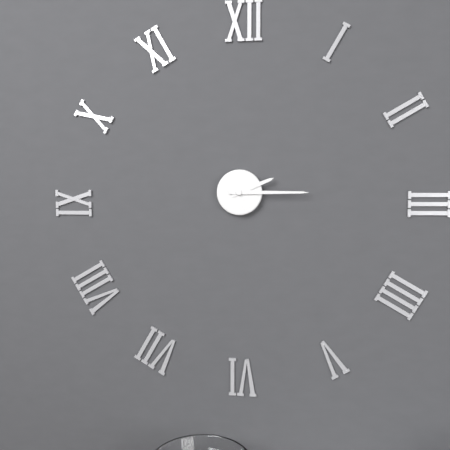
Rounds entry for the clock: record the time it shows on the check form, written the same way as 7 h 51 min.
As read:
2 h 15 min
